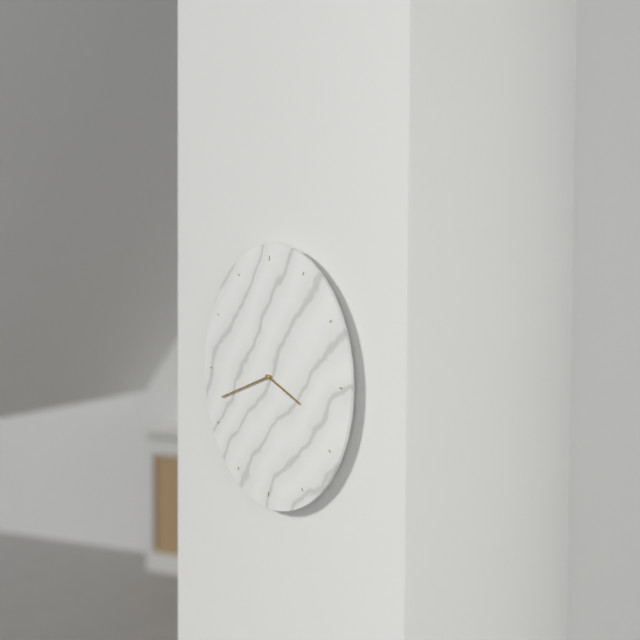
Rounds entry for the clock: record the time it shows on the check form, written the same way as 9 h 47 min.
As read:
3 h 42 min
